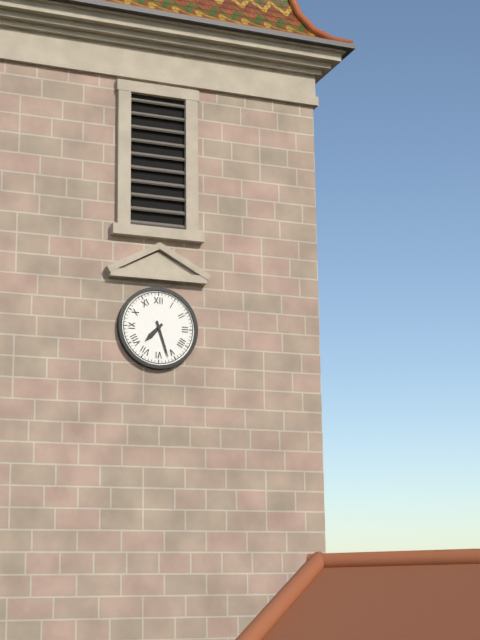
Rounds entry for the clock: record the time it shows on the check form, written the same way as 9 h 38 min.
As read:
7 h 27 min
